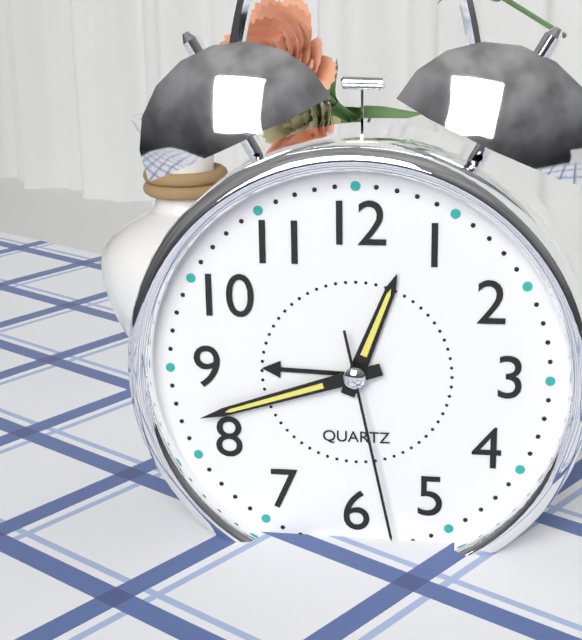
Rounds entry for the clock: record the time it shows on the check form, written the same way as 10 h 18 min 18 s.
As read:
12 h 42 min 28 s
